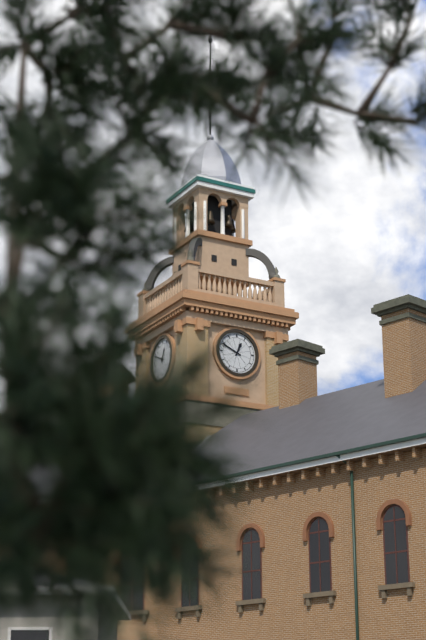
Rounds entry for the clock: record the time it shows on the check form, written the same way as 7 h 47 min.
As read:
12 h 49 min
